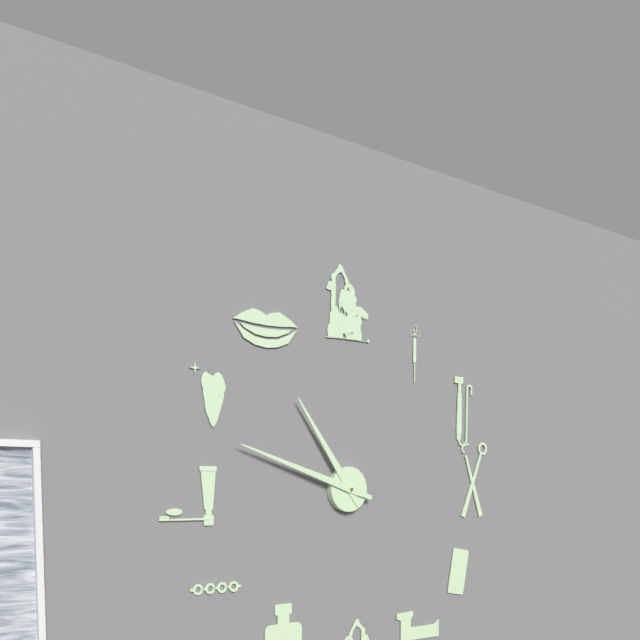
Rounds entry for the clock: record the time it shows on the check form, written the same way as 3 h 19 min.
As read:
10 h 48 min
